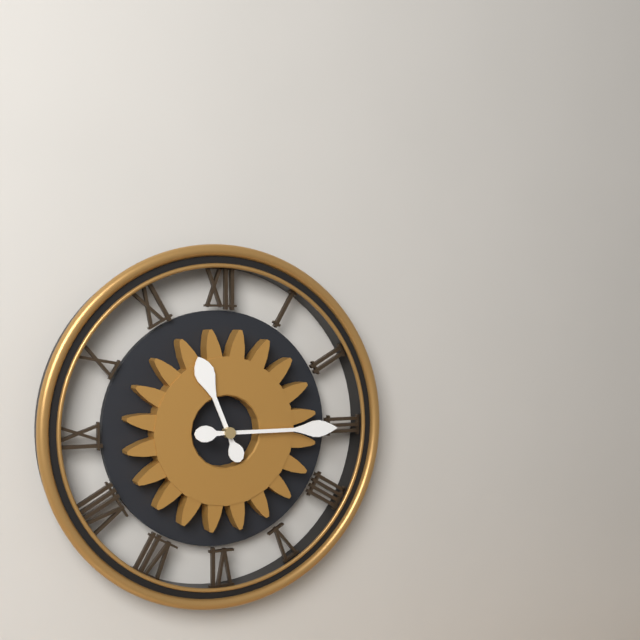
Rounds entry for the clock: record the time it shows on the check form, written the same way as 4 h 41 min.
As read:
11 h 15 min
